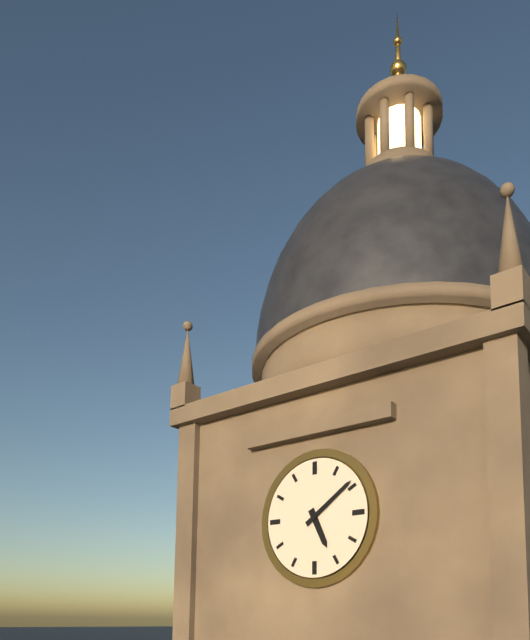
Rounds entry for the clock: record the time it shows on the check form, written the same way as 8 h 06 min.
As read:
5 h 09 min
